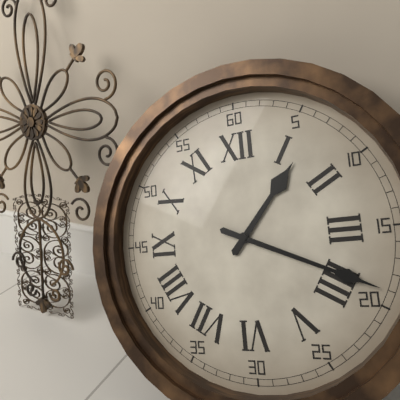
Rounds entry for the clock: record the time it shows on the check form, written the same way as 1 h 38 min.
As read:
1 h 19 min
